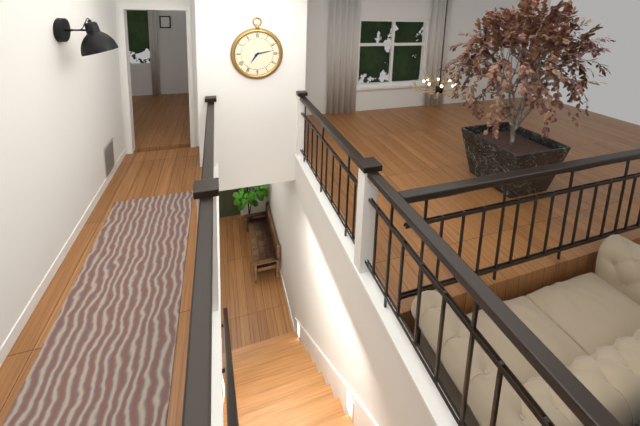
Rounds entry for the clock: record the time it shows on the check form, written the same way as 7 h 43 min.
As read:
7 h 13 min
